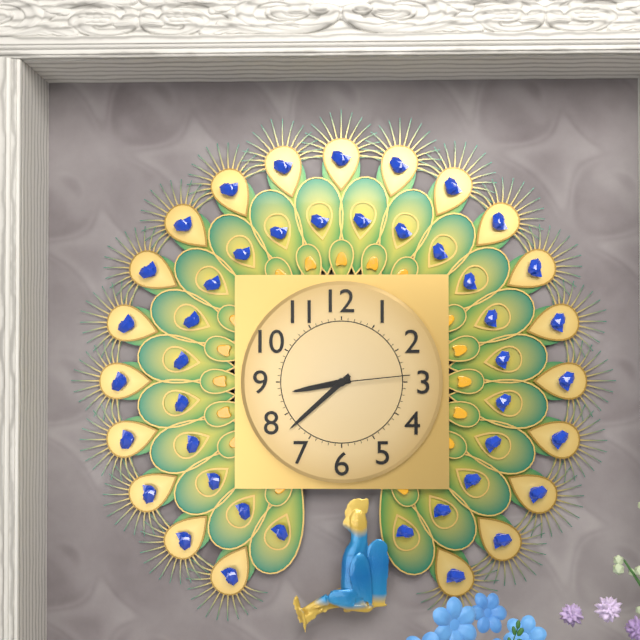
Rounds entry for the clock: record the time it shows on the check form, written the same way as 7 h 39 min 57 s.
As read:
8 h 38 min 14 s
